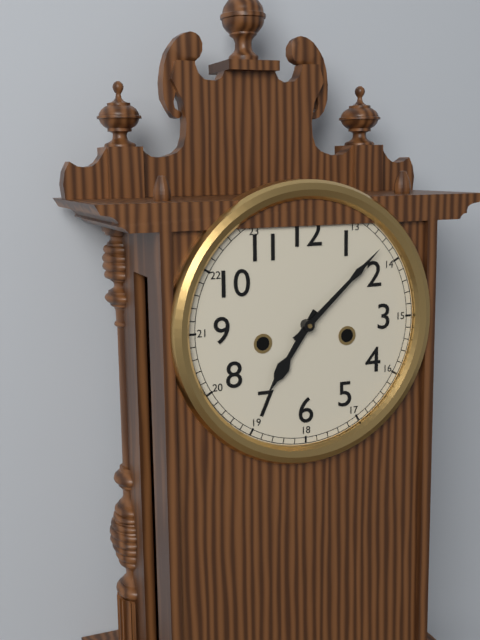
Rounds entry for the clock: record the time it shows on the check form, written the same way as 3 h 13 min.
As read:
7 h 08 min
